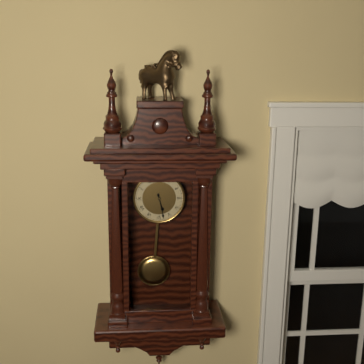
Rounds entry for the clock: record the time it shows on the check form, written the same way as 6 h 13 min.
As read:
5 h 28 min
